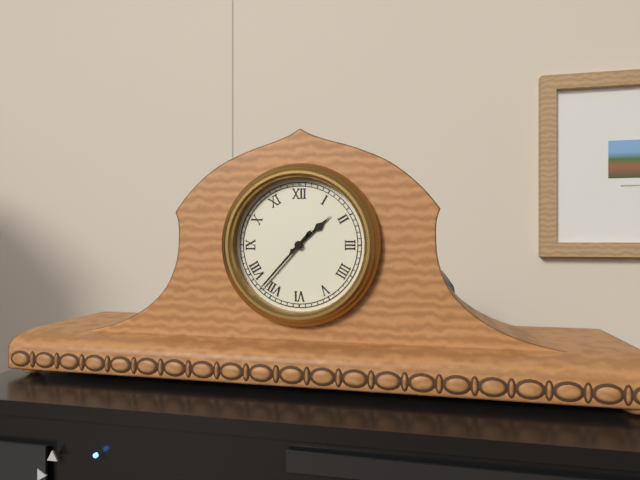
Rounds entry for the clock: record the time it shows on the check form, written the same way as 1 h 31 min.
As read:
1 h 37 min
